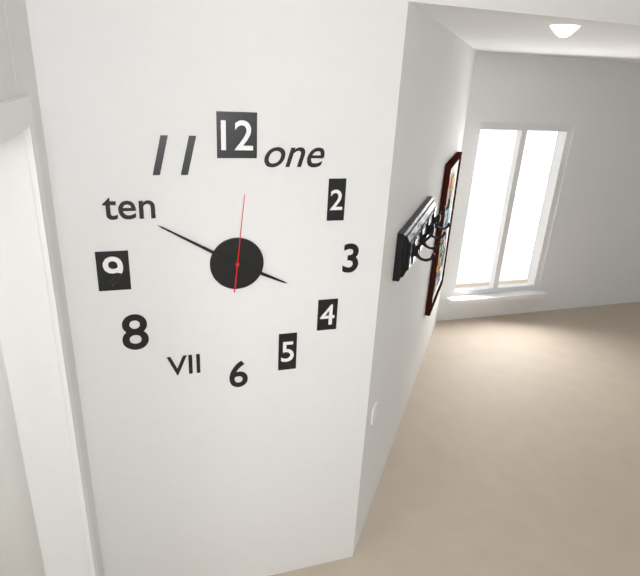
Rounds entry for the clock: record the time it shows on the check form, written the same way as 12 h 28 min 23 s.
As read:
3 h 50 min 01 s
